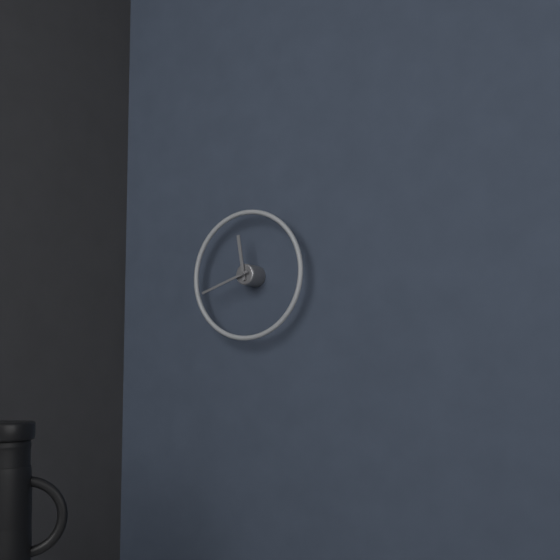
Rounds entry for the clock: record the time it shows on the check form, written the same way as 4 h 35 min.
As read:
11 h 42 min
